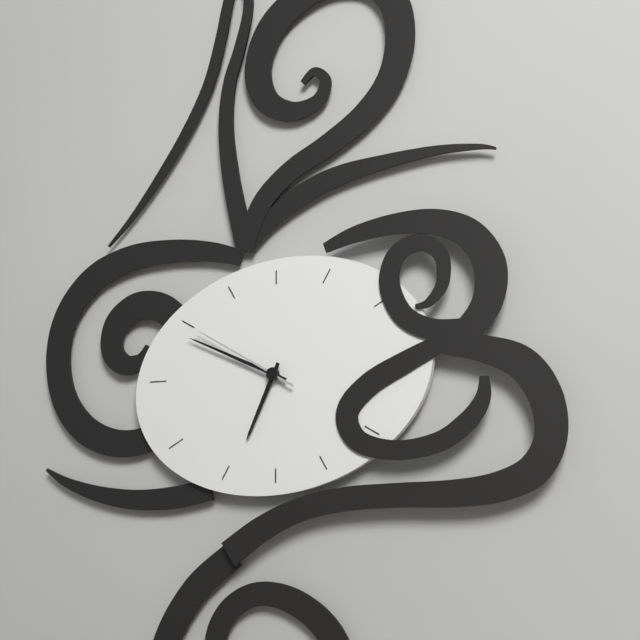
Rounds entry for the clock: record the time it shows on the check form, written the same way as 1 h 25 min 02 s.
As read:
6 h 49 min 50 s
